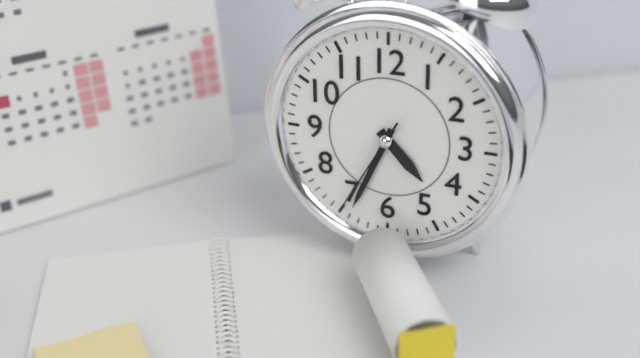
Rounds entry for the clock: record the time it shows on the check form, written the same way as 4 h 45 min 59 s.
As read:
4 h 34 min 35 s
